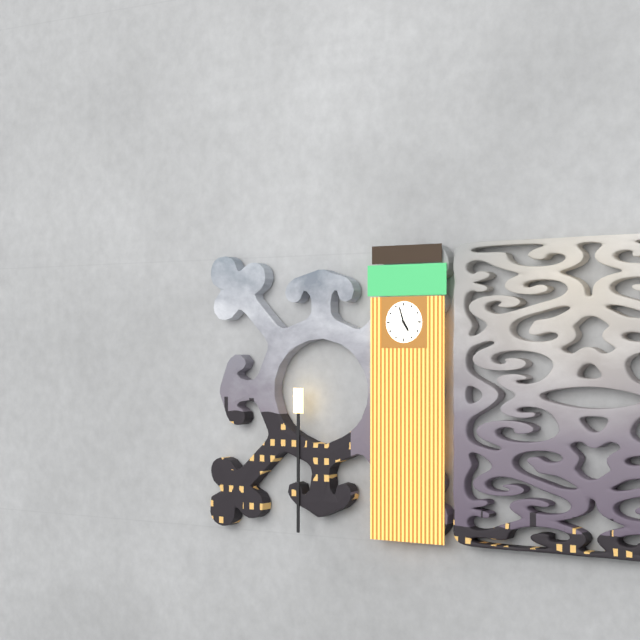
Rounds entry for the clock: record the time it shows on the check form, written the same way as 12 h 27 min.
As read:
4 h 57 min
